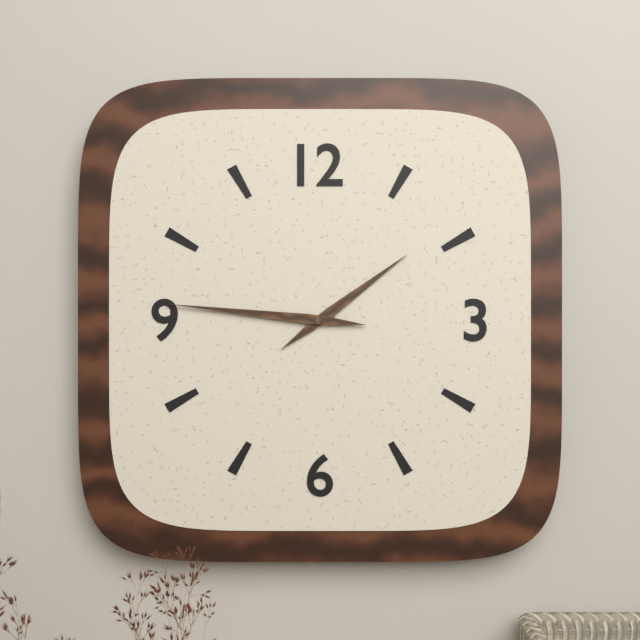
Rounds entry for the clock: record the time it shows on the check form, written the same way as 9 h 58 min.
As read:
1 h 46 min
